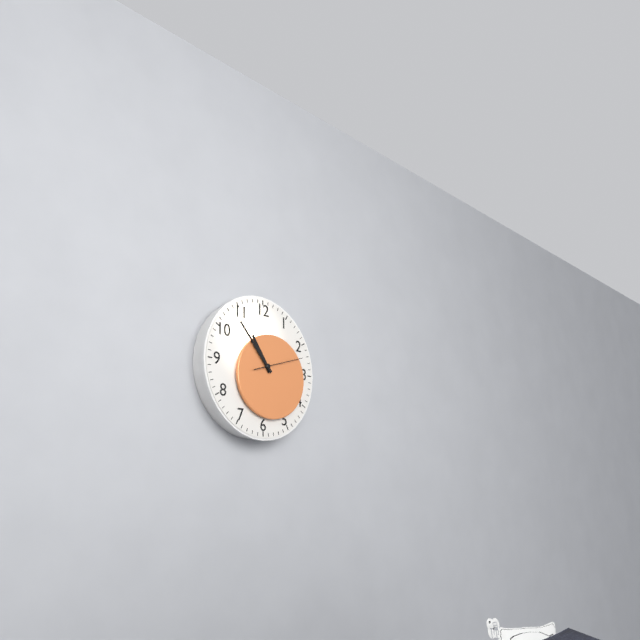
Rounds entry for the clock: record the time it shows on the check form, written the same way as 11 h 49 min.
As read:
10 h 53 min
